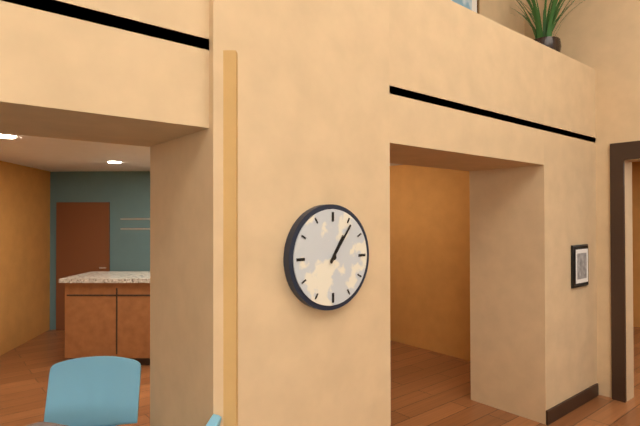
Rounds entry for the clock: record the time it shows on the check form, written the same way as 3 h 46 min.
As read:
1 h 06 min
